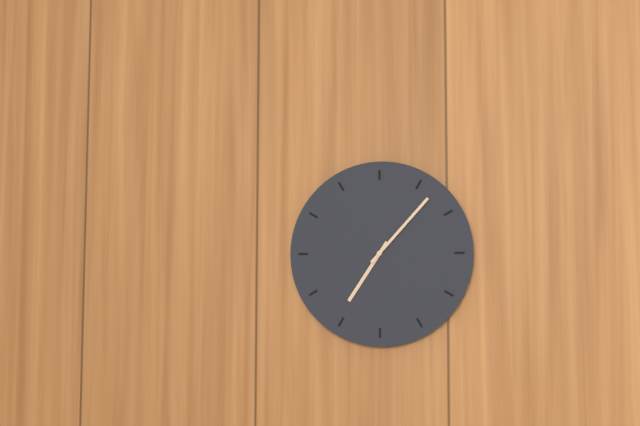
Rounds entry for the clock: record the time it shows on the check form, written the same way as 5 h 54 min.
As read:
7 h 07 min
